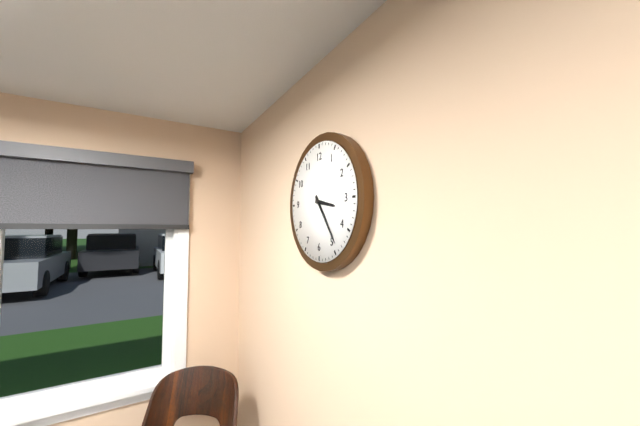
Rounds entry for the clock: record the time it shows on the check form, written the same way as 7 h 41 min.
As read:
3 h 24 min
